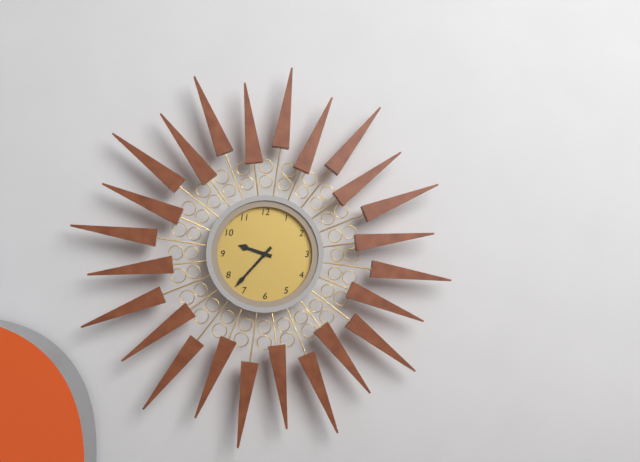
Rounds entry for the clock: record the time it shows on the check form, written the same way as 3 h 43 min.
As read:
9 h 37 min
